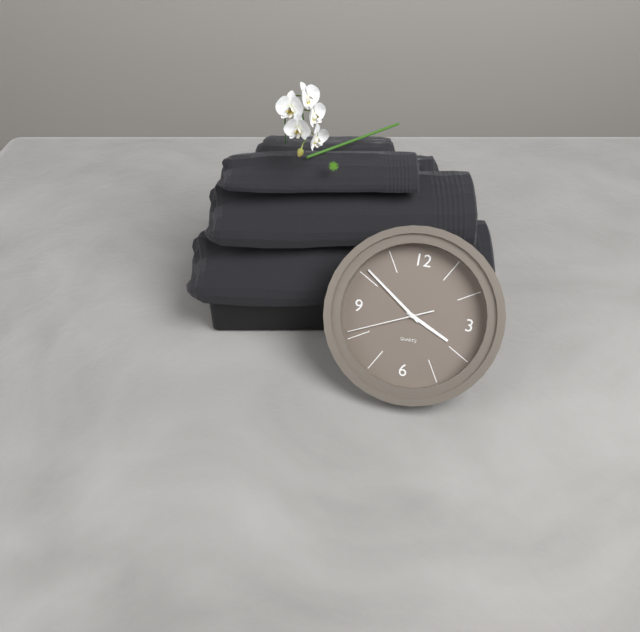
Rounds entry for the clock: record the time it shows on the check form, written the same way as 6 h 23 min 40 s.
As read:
3 h 51 min 41 s
